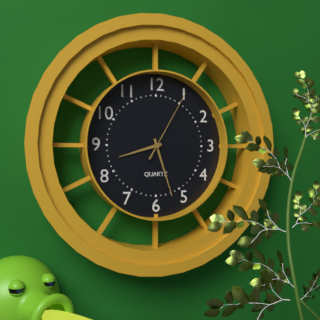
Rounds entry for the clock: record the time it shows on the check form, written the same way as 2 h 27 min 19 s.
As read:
8 h 27 min 05 s
